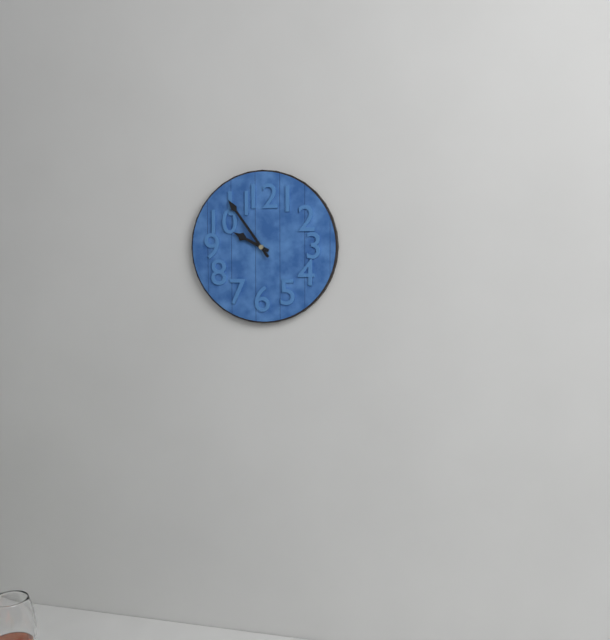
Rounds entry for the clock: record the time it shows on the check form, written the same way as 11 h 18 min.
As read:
9 h 54 min
